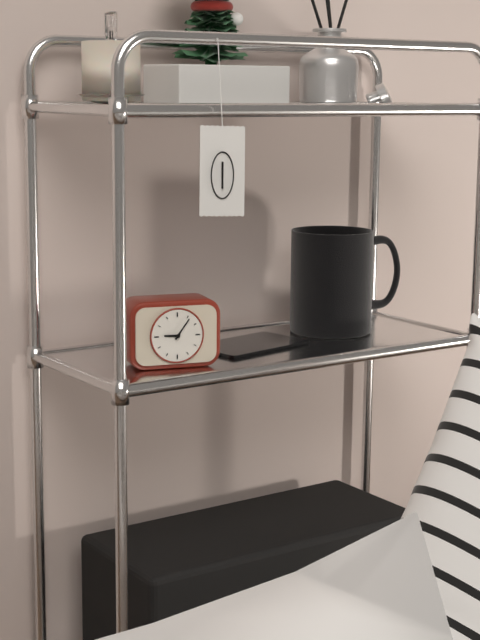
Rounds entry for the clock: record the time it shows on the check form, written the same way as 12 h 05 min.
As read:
9 h 06 min
